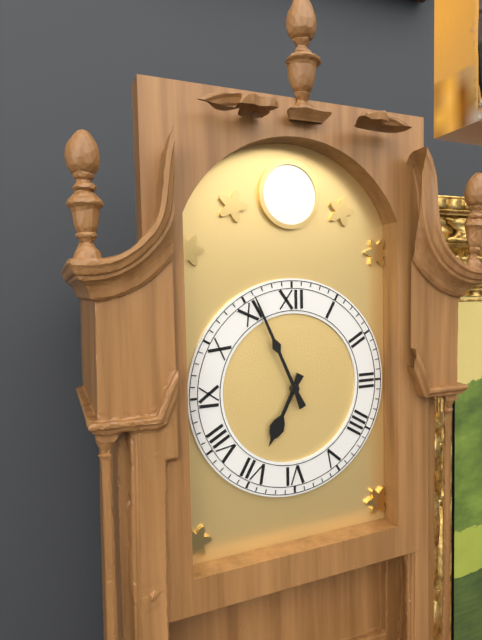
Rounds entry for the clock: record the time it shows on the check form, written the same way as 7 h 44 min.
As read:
6 h 56 min
